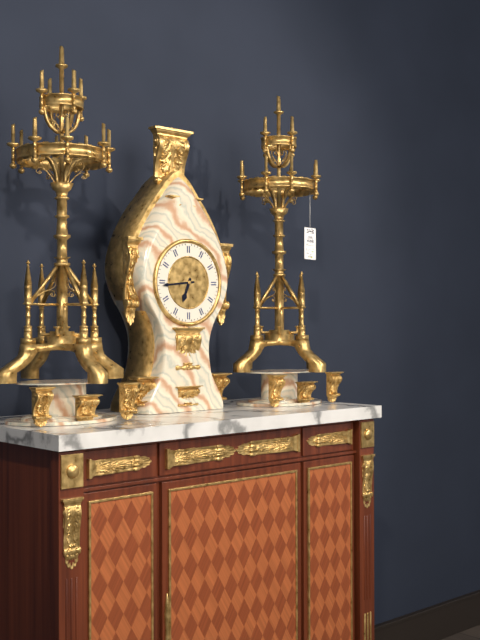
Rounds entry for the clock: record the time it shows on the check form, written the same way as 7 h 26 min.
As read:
6 h 44 min
